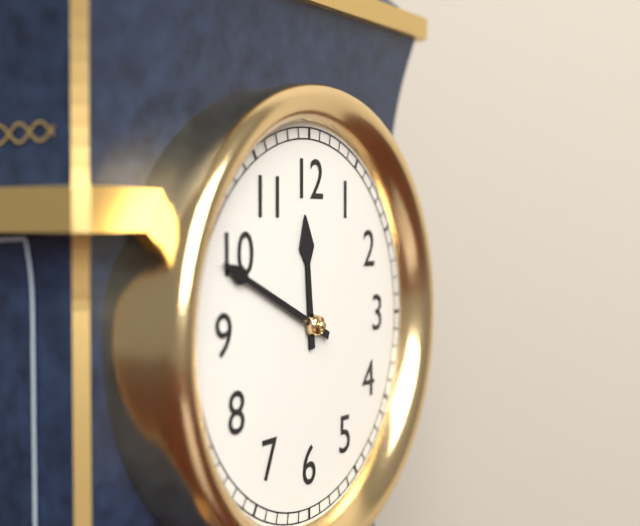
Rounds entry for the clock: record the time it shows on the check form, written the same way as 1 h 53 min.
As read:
11 h 49 min
